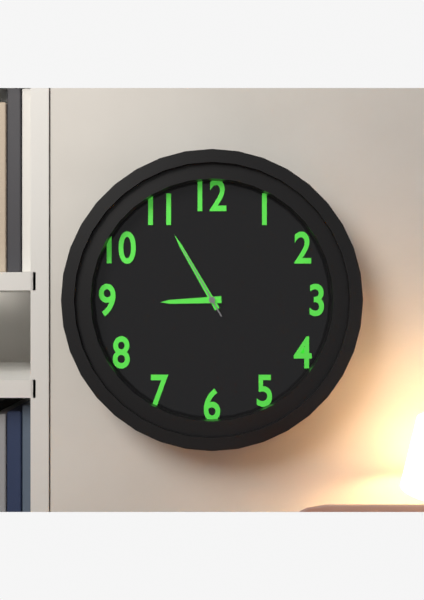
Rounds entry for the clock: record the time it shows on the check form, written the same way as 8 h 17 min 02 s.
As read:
8 h 55 min 55 s
